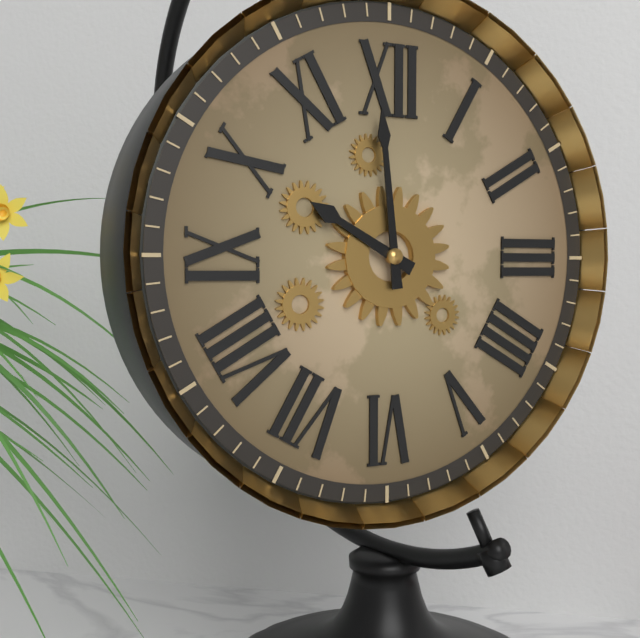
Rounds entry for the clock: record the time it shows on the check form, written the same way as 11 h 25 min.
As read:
9 h 59 min
